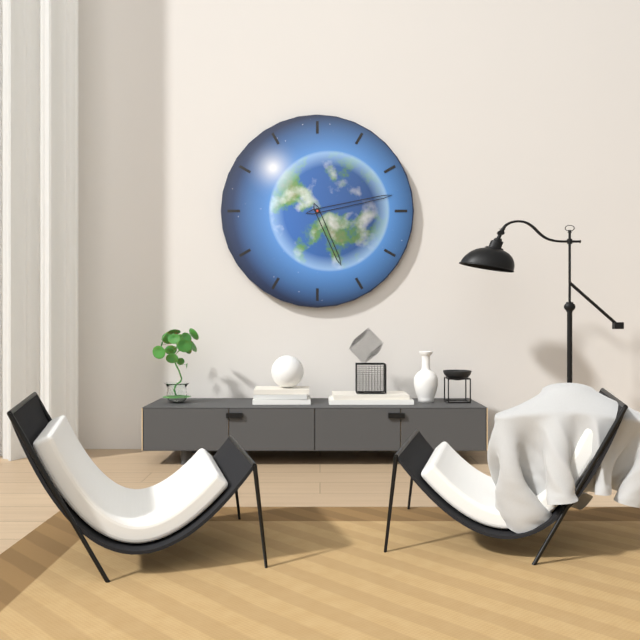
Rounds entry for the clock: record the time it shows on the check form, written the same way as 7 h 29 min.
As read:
5 h 13 min
